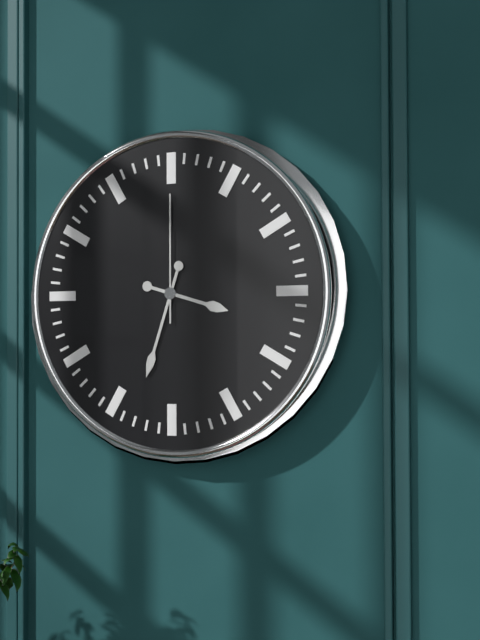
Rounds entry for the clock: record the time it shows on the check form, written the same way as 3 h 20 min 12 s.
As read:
3 h 33 min 00 s
